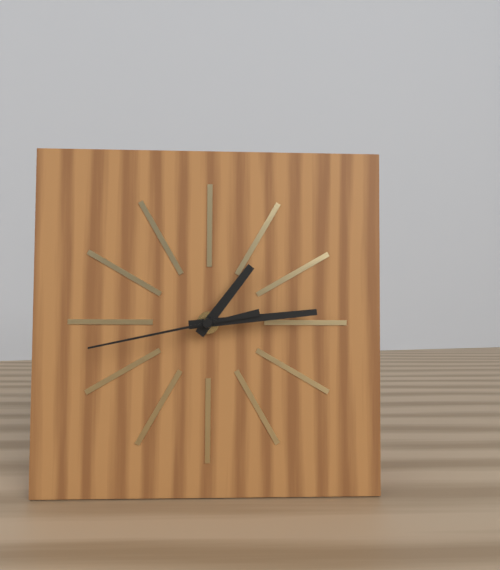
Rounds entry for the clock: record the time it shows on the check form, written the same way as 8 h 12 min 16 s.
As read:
1 h 14 min 43 s
